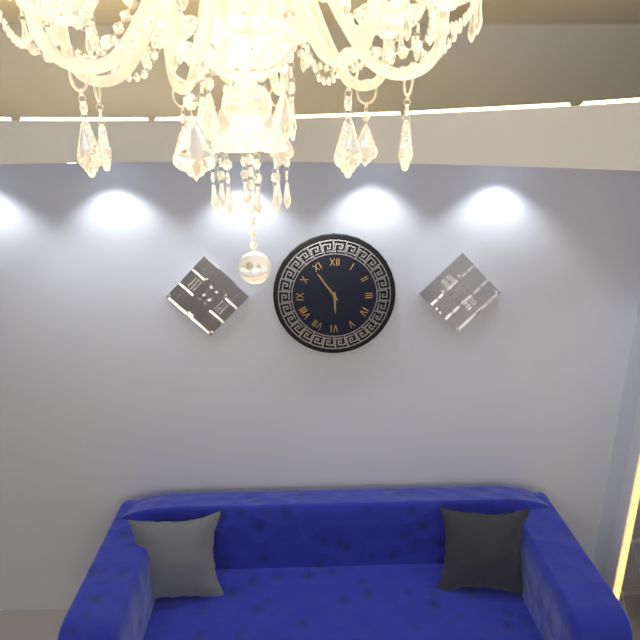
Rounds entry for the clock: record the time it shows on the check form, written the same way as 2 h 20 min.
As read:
5 h 54 min
